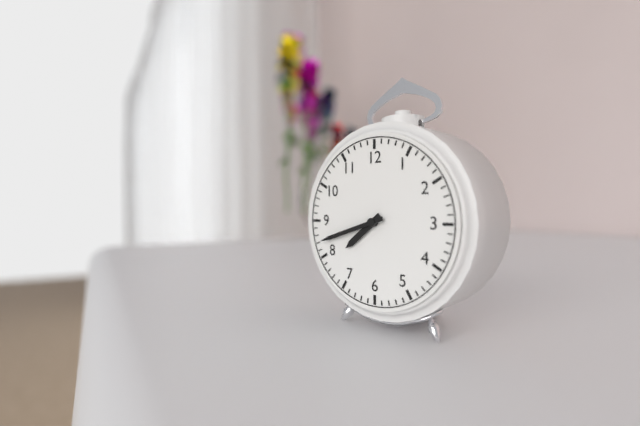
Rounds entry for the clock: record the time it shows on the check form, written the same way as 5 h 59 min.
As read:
7 h 42 min
